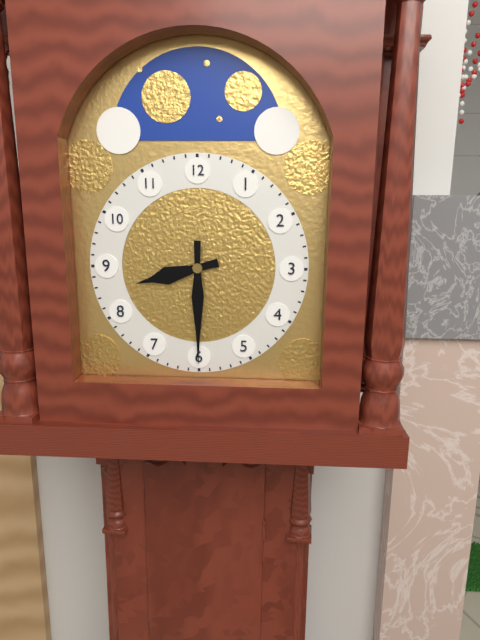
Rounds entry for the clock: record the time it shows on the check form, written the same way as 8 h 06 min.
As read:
8 h 30 min
